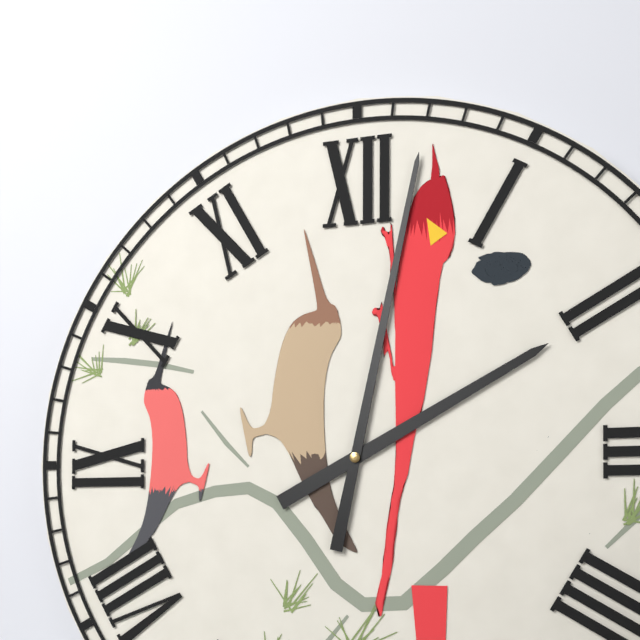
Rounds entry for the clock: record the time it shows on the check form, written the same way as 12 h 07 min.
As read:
2 h 02 min
